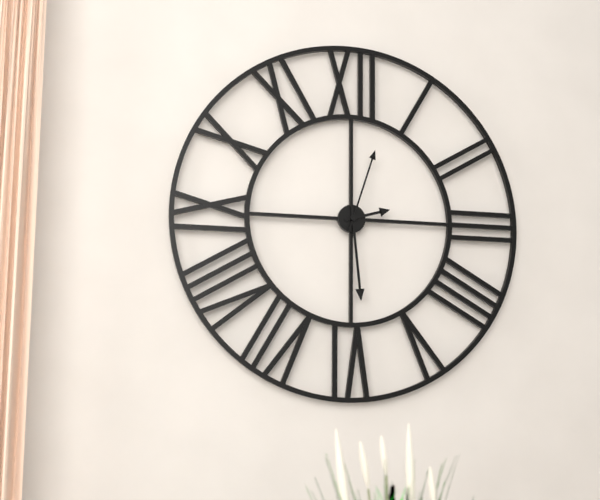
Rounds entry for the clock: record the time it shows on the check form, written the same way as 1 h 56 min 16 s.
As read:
2 h 29 min 03 s
